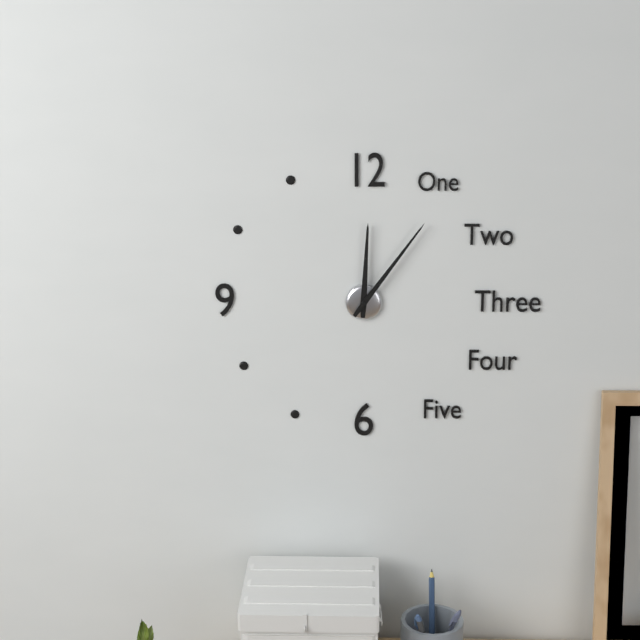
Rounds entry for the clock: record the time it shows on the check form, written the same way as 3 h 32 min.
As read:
12 h 06 min
